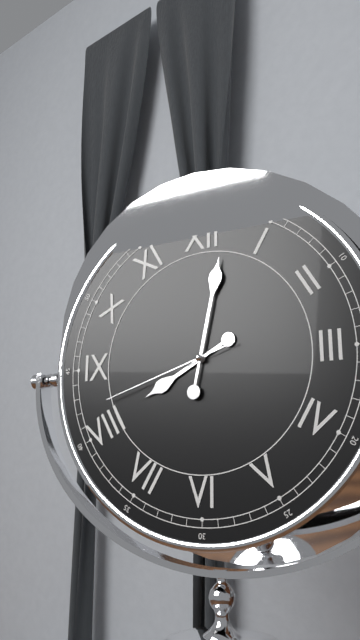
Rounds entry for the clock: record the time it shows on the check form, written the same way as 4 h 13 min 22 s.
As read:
8 h 02 min 42 s
